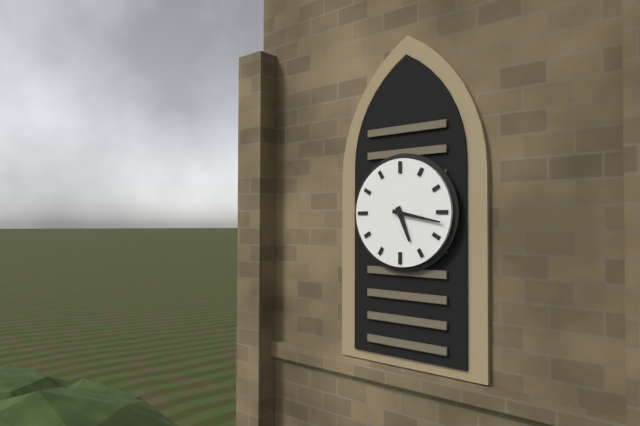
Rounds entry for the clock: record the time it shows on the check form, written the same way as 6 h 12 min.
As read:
5 h 17 min
